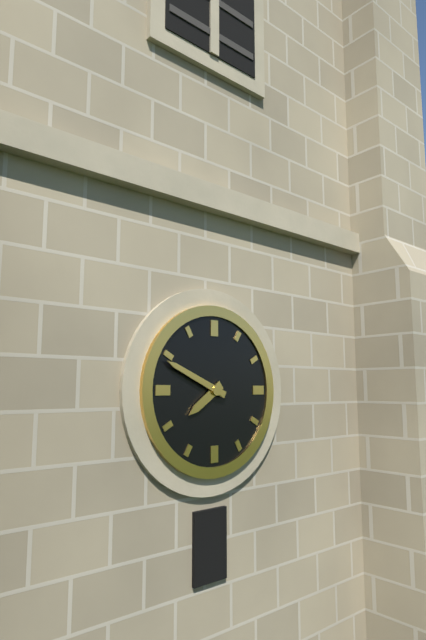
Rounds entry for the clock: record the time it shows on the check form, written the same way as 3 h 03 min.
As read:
7 h 49 min
